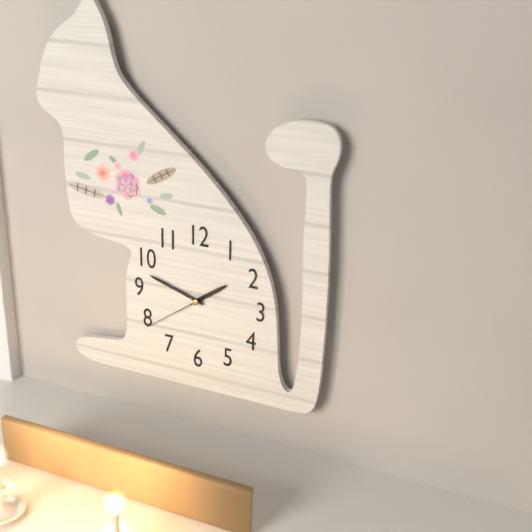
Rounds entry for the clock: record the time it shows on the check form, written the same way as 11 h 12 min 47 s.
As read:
1 h 48 min 39 s
